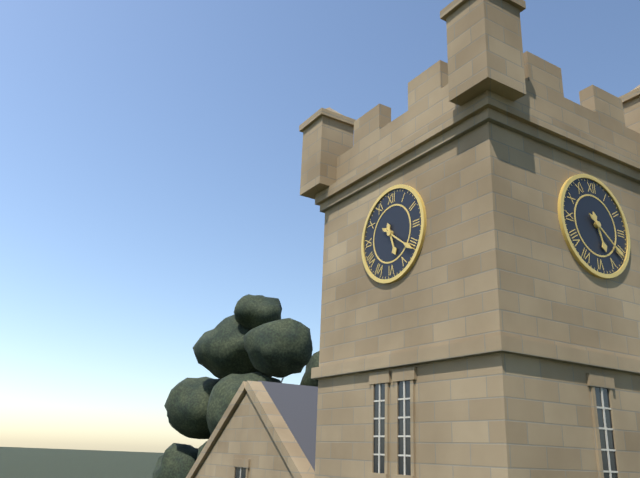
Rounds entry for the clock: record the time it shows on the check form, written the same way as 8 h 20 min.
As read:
5 h 21 min
